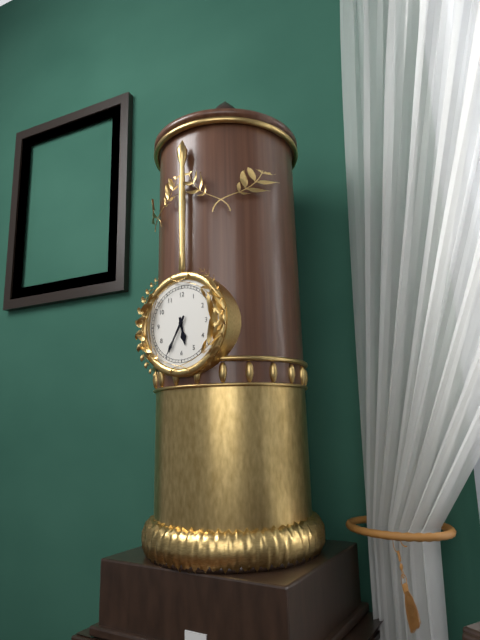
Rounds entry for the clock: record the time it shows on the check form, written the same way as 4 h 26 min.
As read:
5 h 35 min
